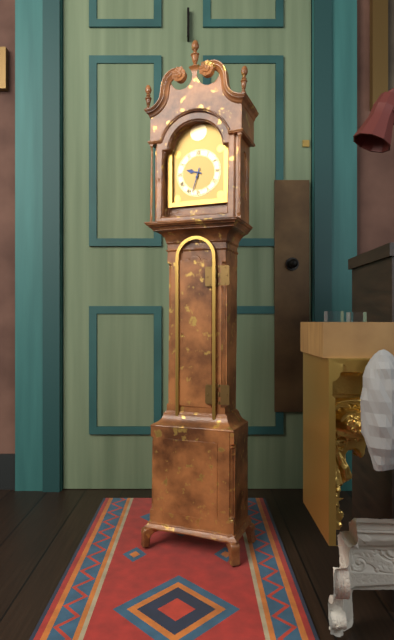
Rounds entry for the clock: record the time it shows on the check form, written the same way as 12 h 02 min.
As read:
9 h 33 min
